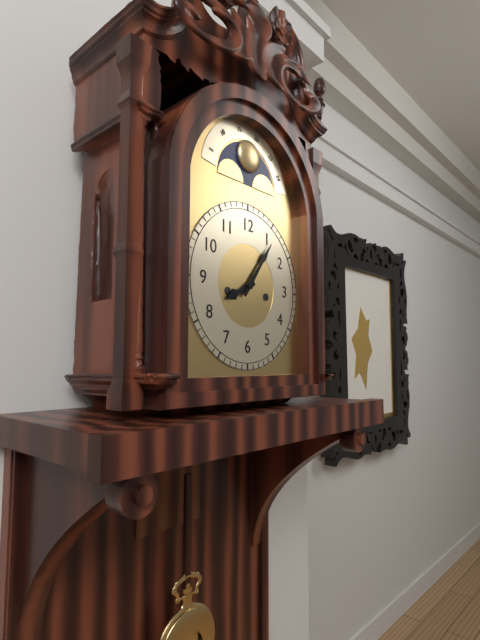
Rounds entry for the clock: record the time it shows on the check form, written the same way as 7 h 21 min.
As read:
8 h 06 min
